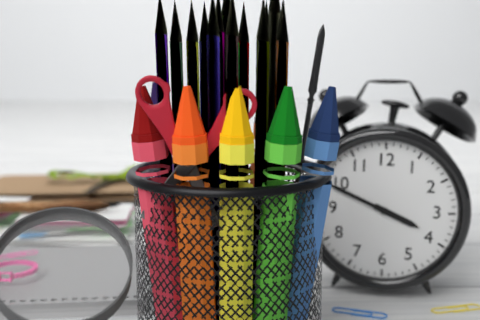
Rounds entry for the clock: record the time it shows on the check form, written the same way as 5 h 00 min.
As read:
3 h 49 min
